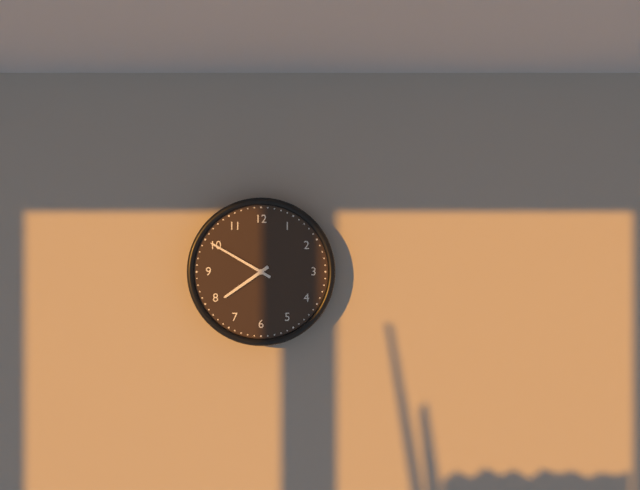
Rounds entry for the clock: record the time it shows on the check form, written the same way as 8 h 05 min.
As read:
7 h 50 min
